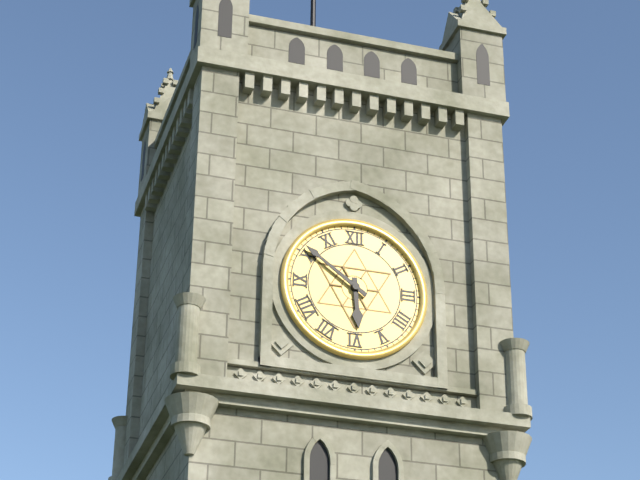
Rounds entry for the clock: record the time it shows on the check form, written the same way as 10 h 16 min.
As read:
5 h 51 min
